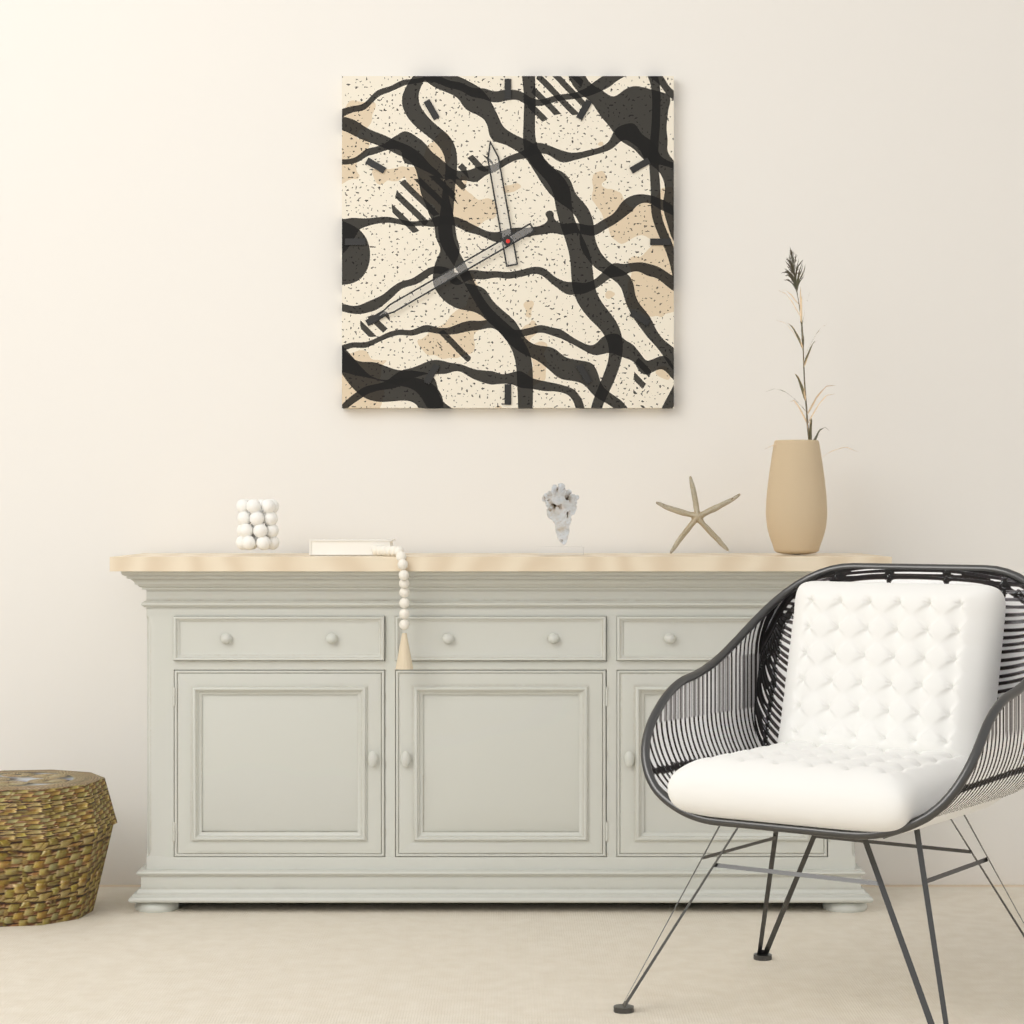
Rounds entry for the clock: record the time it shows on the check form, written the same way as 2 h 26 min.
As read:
11 h 40 min
